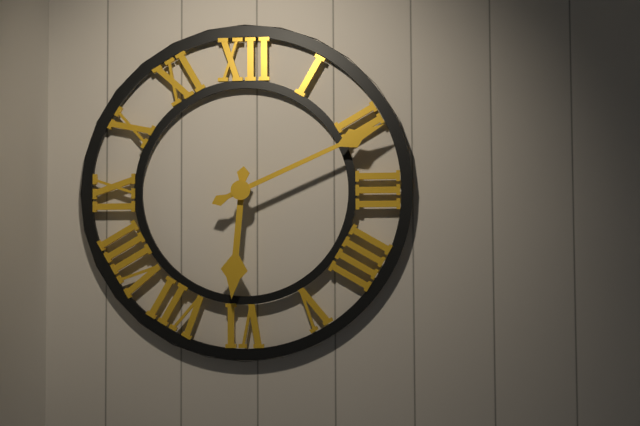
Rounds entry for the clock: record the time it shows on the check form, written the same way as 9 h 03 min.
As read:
6 h 11 min
